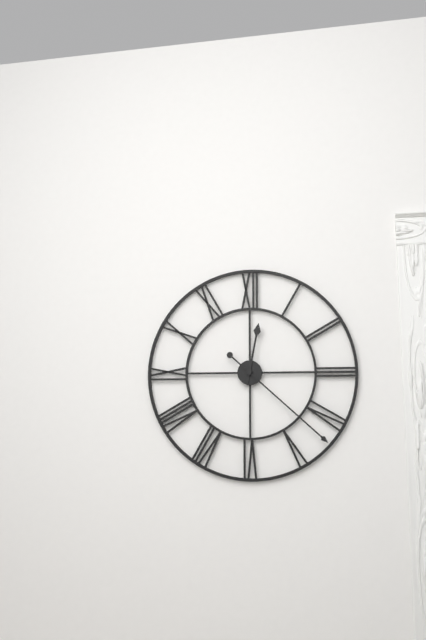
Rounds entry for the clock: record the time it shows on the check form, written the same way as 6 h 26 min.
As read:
12 h 22 min
